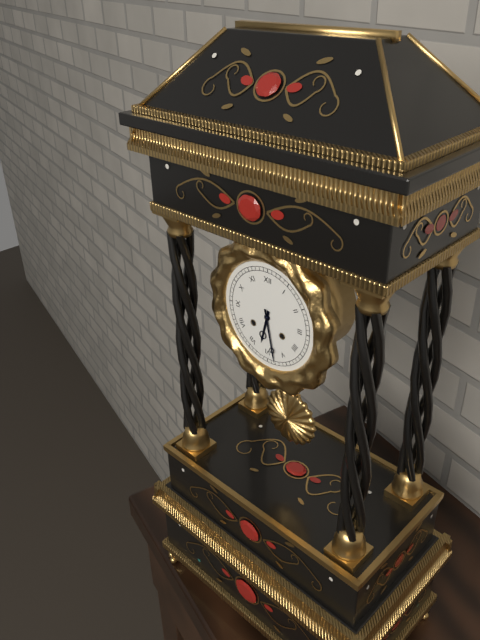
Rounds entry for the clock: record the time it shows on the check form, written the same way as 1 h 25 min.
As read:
6 h 28 min
